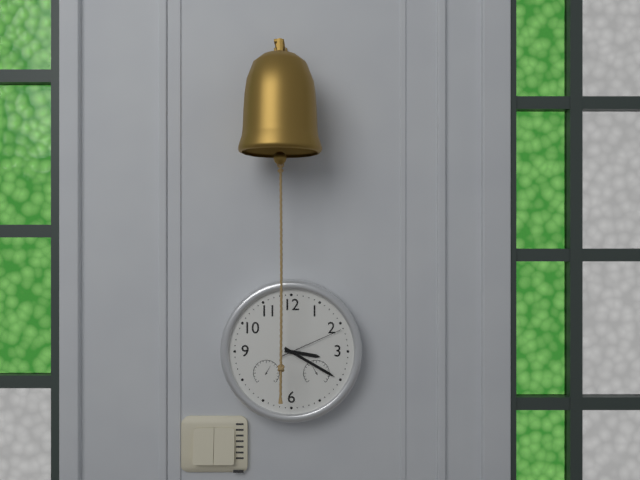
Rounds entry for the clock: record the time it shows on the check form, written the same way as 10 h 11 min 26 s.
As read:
3 h 20 min 11 s
